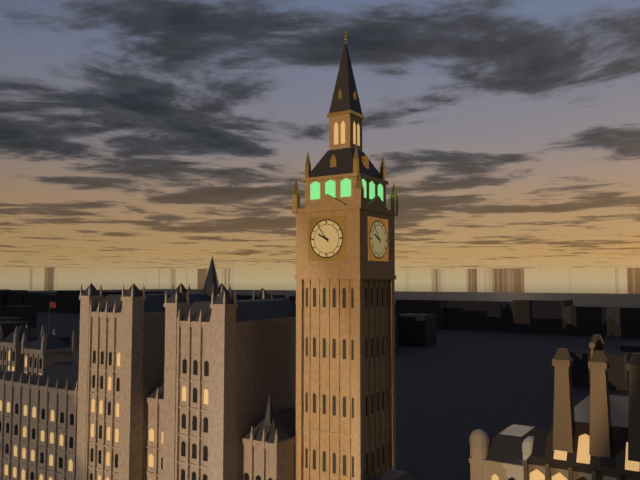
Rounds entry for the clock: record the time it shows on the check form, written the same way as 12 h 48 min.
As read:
9 h 54 min
